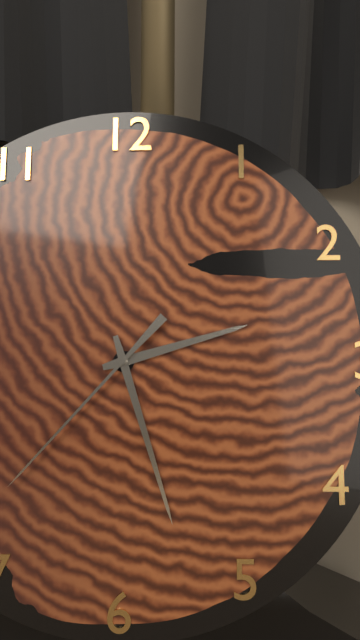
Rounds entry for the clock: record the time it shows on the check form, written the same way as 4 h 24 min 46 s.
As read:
2 h 27 min 37 s
